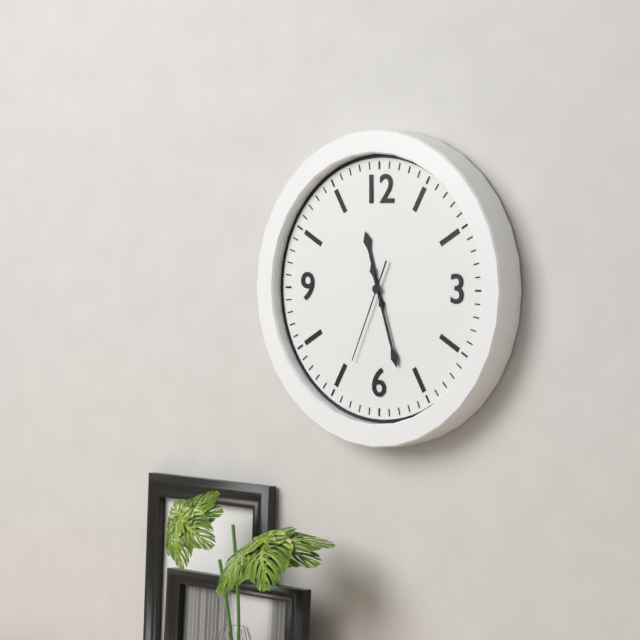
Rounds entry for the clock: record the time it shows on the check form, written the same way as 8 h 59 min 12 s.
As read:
11 h 27 min 34 s
